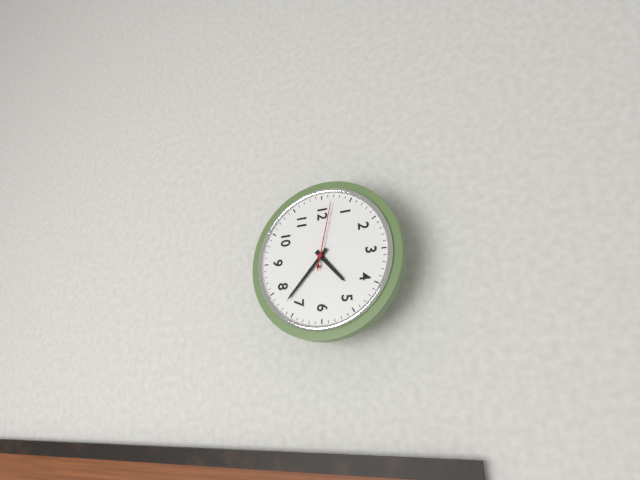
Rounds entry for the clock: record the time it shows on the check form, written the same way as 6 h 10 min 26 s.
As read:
4 h 37 min 02 s
